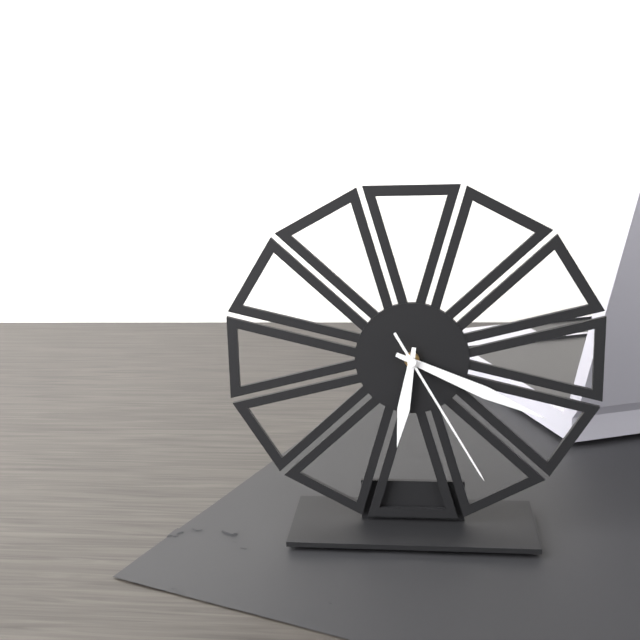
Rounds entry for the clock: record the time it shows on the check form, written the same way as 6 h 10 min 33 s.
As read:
6 h 19 min 25 s
